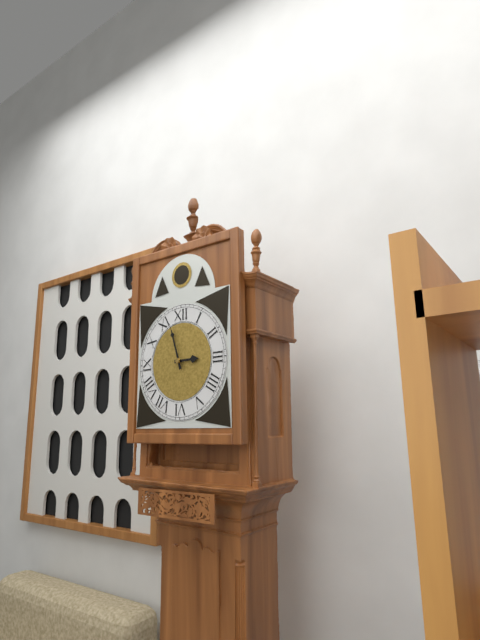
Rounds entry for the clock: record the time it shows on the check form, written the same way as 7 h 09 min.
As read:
2 h 57 min
